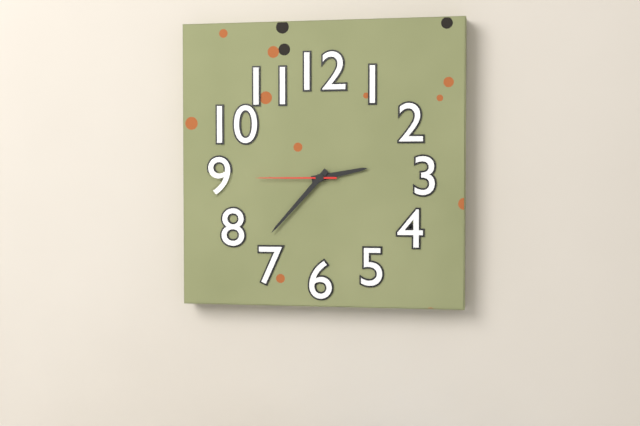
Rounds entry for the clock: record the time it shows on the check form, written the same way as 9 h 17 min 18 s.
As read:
2 h 37 min 45 s
